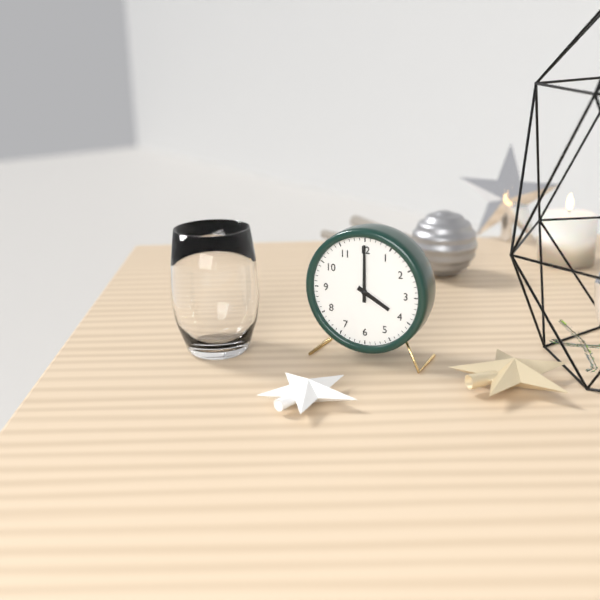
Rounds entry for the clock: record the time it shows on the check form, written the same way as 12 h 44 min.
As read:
4 h 00 min
